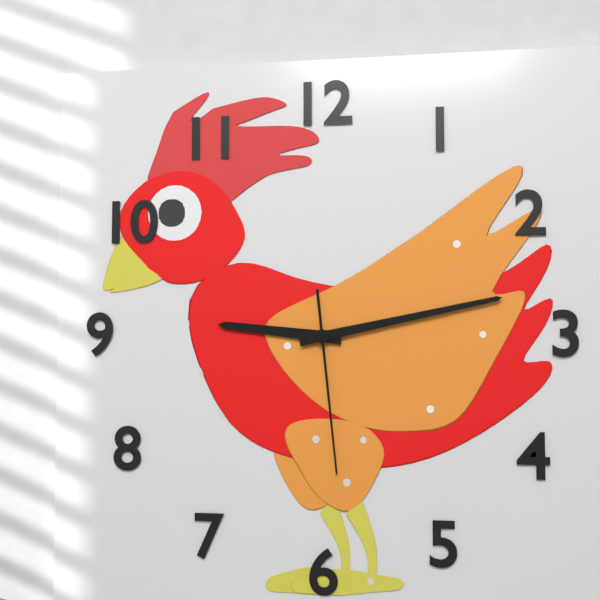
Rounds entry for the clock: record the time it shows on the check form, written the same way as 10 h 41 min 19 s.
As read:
9 h 13 min 29 s
